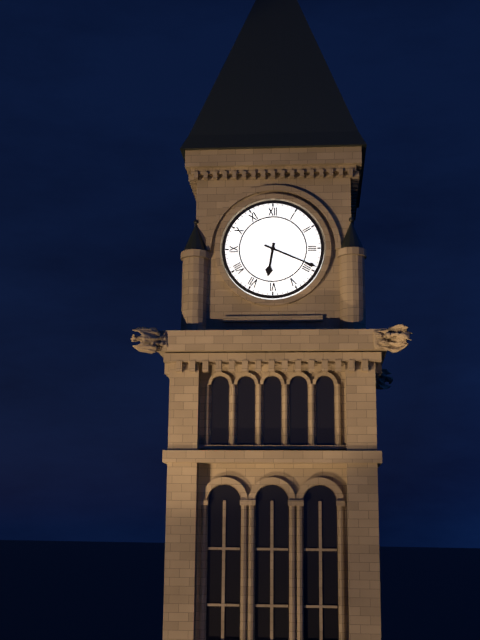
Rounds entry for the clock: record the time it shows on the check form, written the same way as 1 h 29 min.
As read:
6 h 19 min
